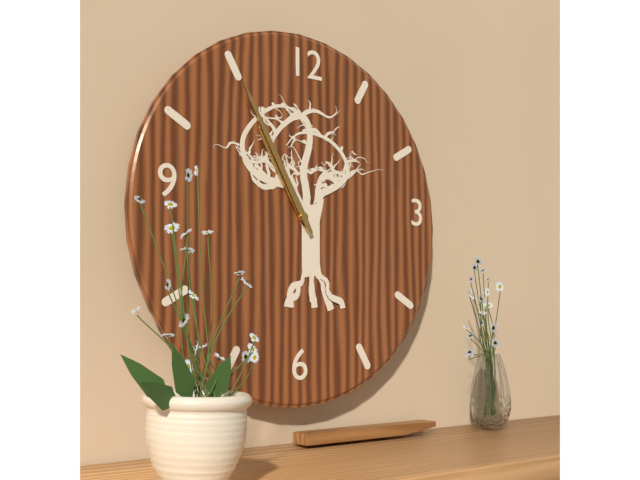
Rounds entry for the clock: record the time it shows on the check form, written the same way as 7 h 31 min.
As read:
10 h 55 min
